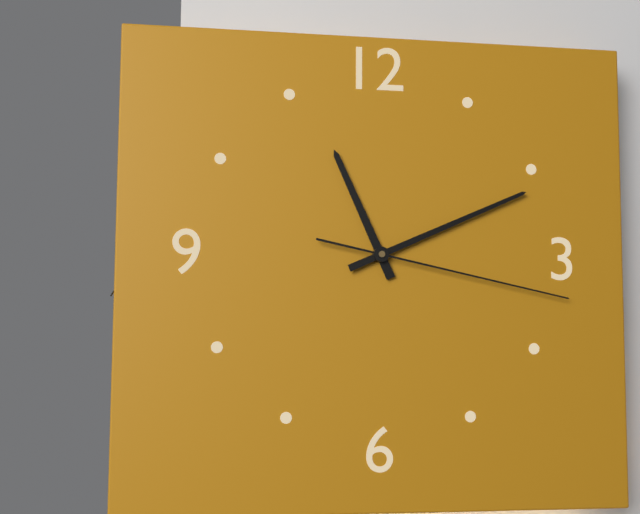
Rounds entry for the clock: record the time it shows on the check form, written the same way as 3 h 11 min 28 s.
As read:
11 h 11 min 17 s
